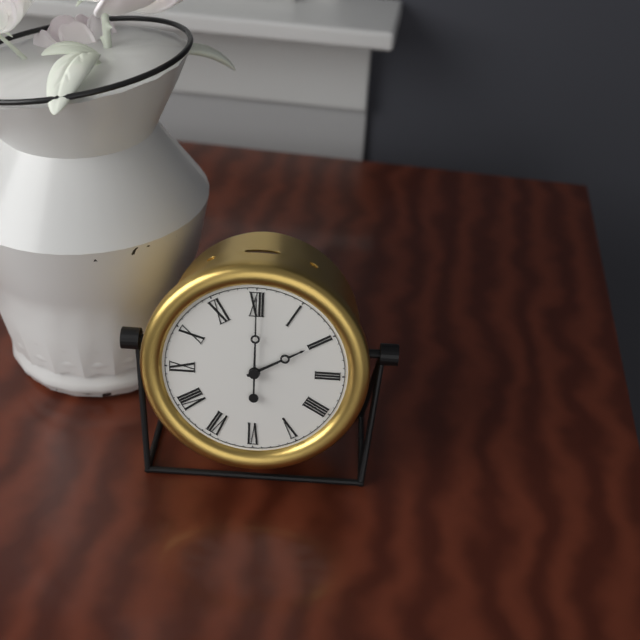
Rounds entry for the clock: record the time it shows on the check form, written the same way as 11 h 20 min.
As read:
2 h 00 min
